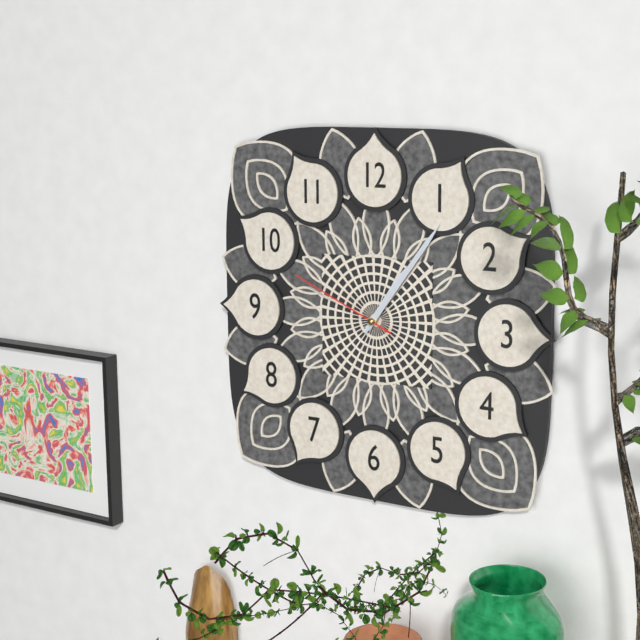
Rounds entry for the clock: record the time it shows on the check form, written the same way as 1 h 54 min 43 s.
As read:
1 h 06 min 49 s
